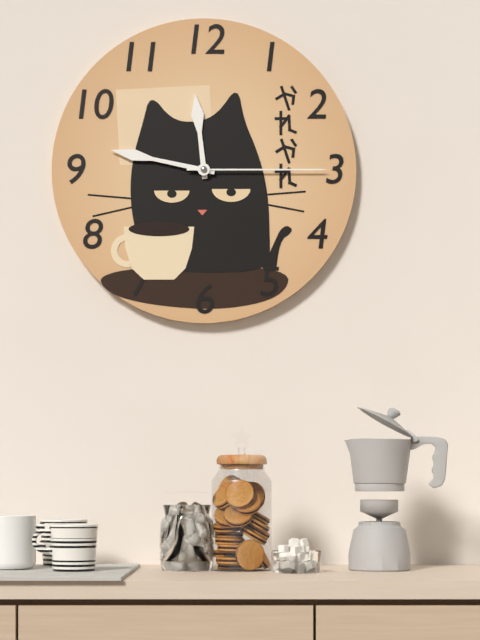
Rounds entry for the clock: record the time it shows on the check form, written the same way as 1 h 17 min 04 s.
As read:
11 h 47 min 15 s
